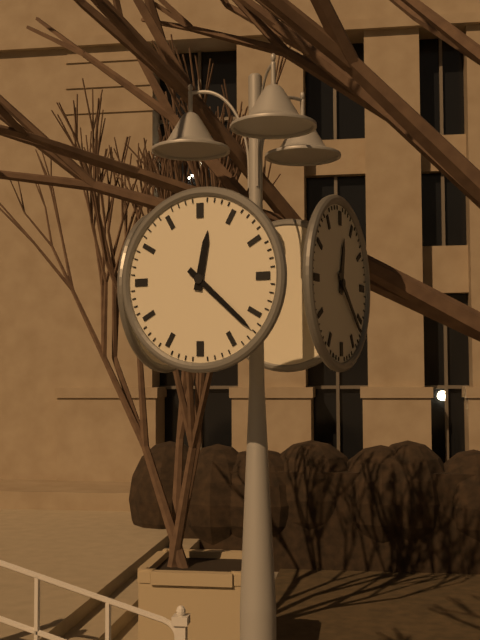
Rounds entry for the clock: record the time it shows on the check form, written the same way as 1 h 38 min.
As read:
12 h 22 min
